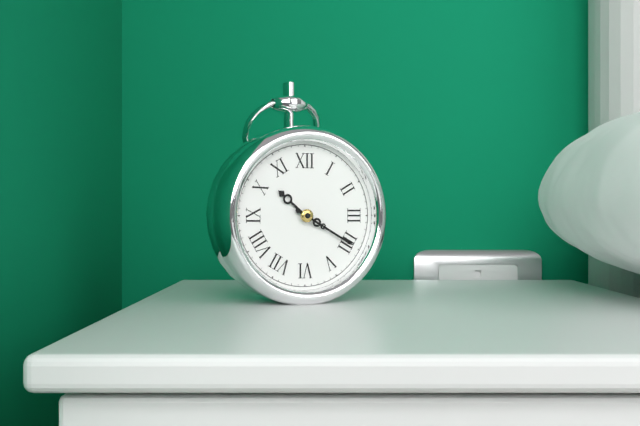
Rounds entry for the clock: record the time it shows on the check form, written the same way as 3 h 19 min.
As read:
10 h 20 min
